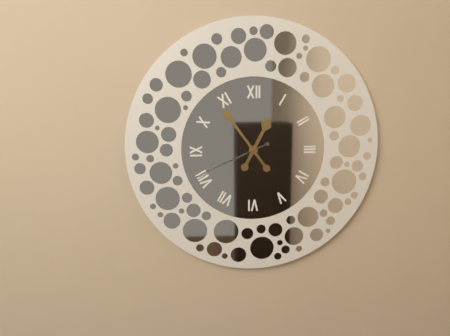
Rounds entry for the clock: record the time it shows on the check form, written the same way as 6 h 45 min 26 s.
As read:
12 h 54 min 41 s
